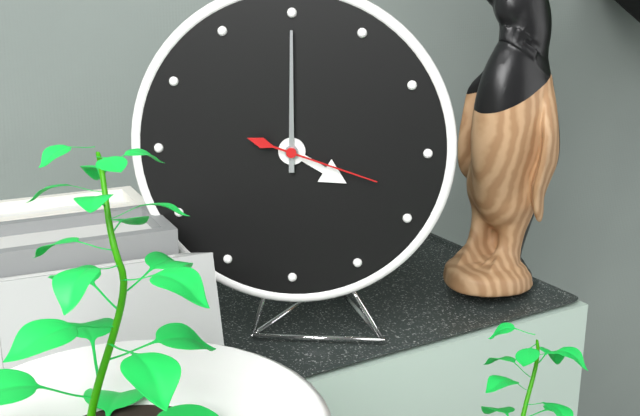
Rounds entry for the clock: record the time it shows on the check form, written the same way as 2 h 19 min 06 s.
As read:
4 h 00 min 18 s
